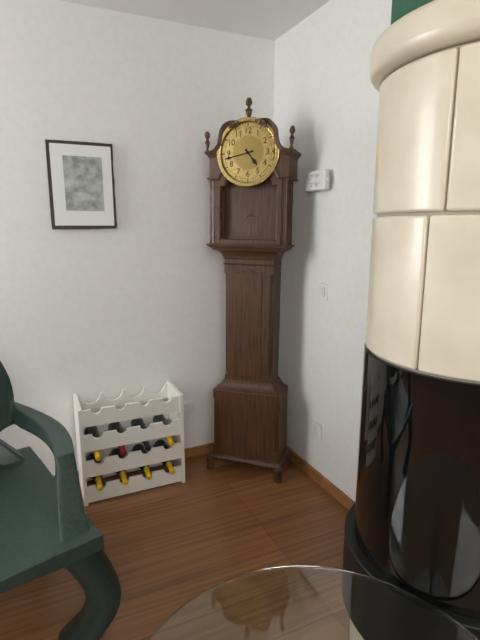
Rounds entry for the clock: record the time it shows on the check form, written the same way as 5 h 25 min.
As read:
4 h 43 min
